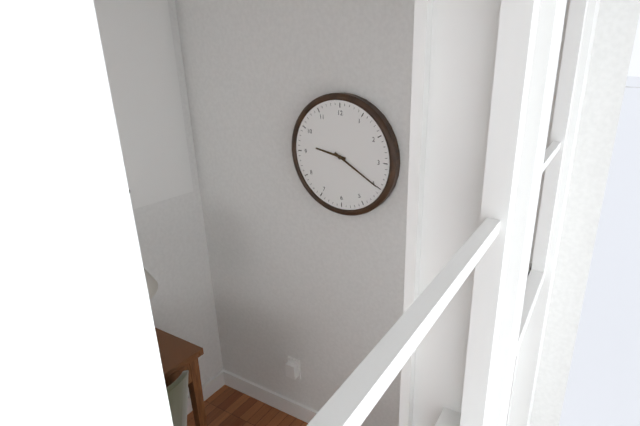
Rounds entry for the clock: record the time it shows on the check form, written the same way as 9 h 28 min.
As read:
9 h 20 min
